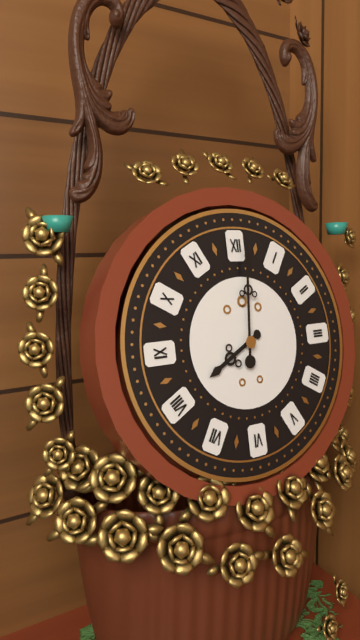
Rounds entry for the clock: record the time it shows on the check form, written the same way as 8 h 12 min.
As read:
8 h 01 min
